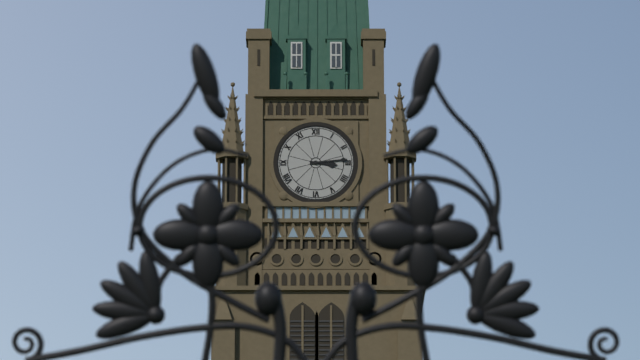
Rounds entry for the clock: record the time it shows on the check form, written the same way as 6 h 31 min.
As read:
3 h 14 min
